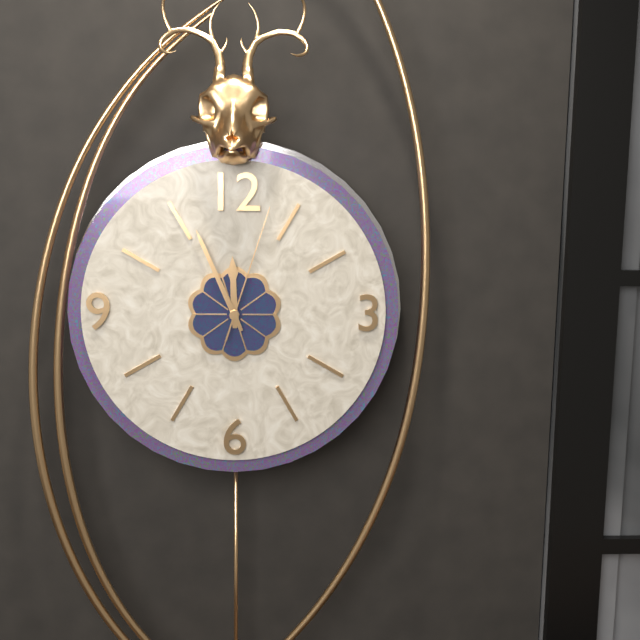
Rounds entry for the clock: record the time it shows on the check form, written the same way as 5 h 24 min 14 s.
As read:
11 h 56 min 03 s
